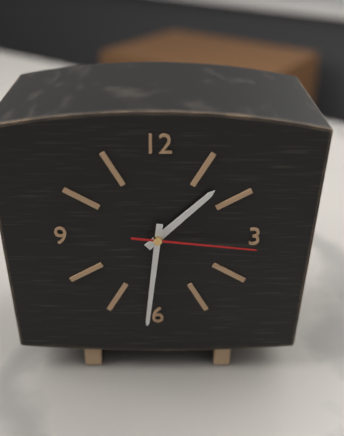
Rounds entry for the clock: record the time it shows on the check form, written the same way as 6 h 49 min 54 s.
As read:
1 h 31 min 16 s
